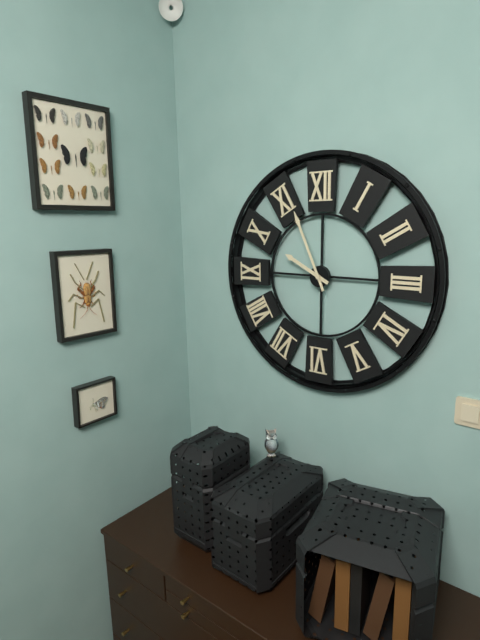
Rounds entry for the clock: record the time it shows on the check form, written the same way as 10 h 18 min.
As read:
9 h 56 min
